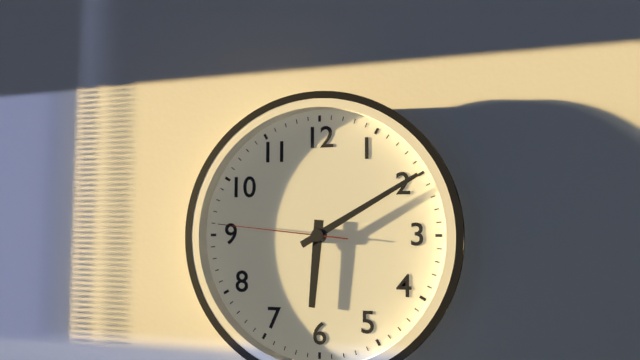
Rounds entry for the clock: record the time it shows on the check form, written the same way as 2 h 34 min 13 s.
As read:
6 h 10 min 46 s
